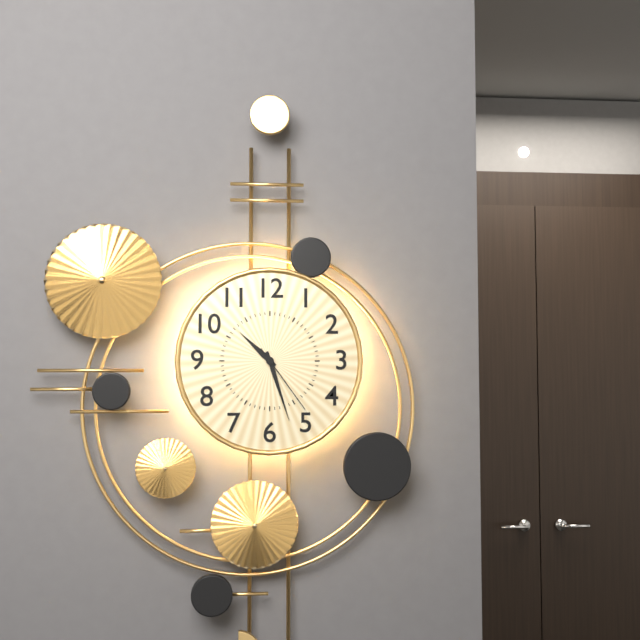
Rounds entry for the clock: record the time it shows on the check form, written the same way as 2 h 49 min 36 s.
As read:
10 h 27 min 24 s
